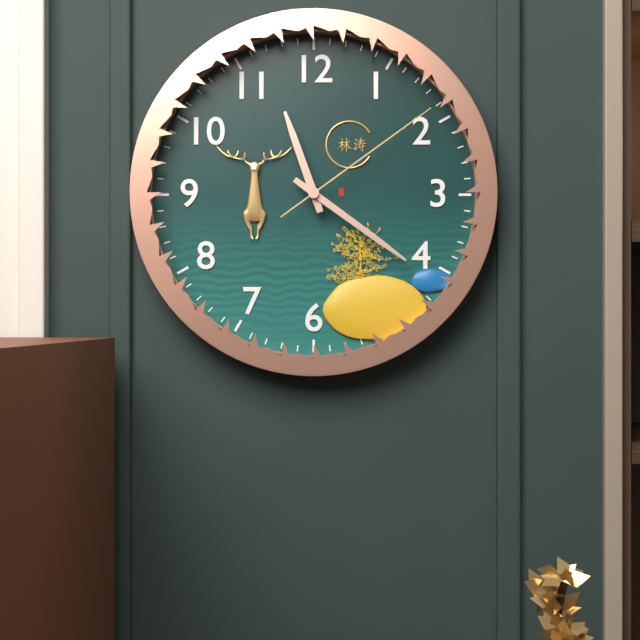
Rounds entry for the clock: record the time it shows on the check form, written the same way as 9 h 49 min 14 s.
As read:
11 h 21 min 09 s
